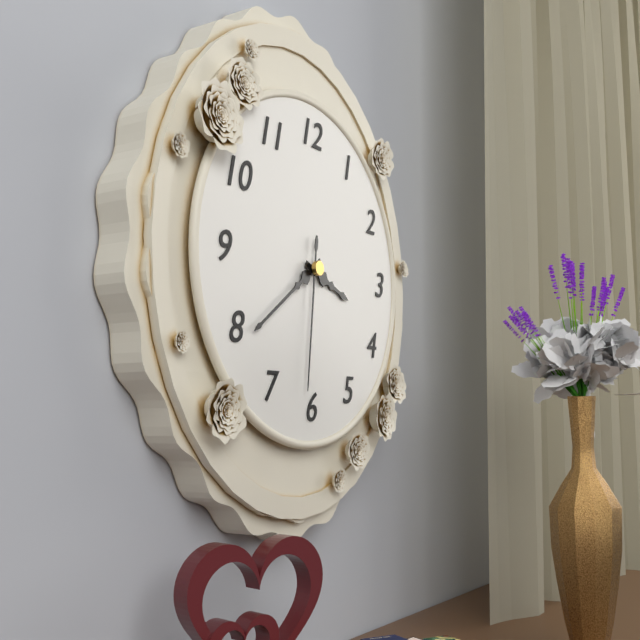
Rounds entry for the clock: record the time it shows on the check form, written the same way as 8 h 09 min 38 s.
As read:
3 h 39 min 31 s
